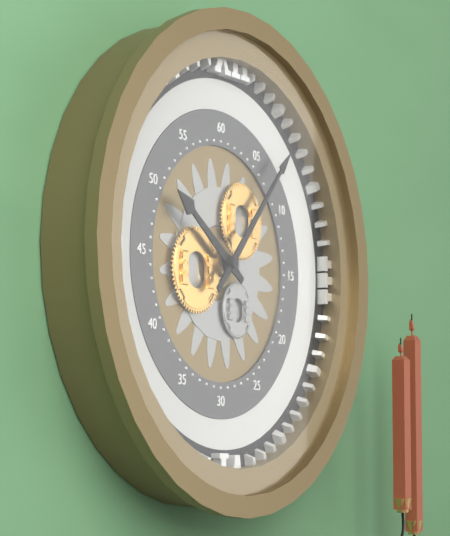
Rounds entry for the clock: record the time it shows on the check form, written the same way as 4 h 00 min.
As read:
10 h 07 min
